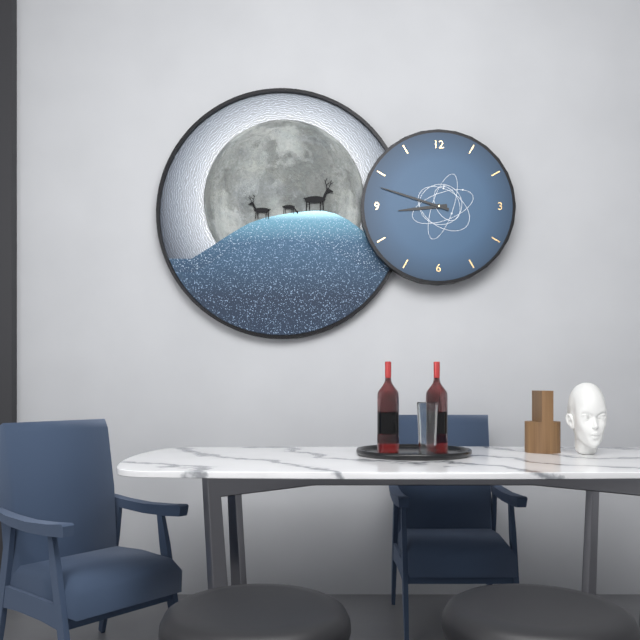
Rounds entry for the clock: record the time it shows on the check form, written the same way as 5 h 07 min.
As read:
8 h 48 min
